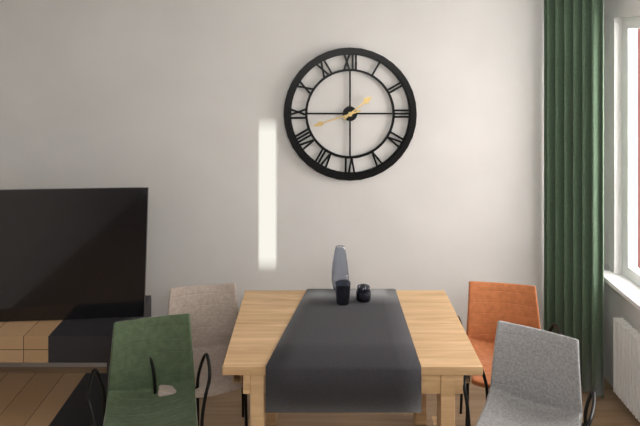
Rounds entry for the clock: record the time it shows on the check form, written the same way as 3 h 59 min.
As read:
1 h 42 min
